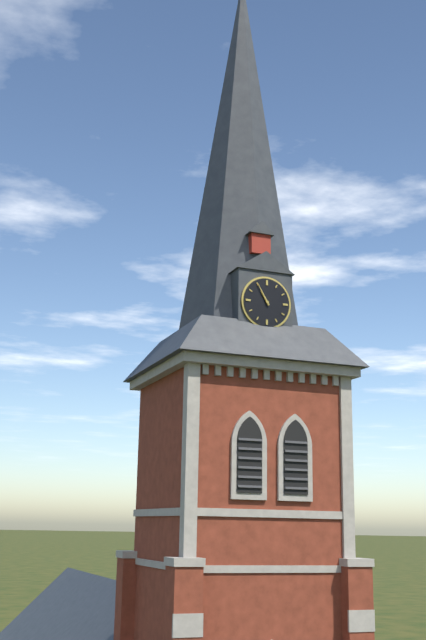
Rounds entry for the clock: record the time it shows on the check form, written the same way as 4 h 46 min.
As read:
10 h 55 min
